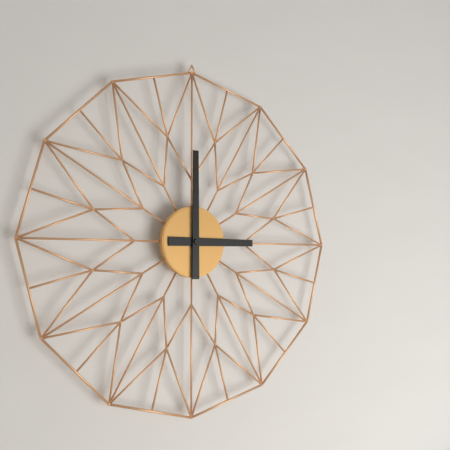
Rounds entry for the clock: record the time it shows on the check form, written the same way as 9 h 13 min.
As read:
3 h 00 min
